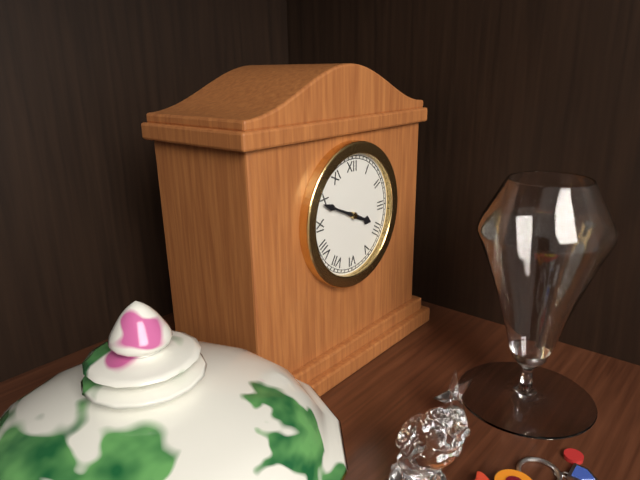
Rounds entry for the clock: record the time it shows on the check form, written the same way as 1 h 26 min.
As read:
3 h 49 min
